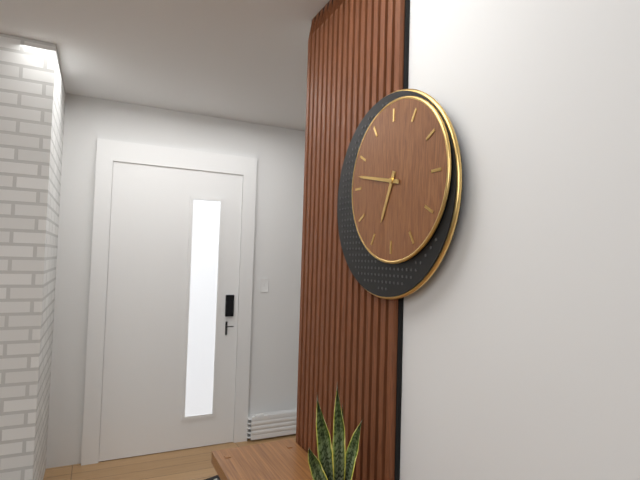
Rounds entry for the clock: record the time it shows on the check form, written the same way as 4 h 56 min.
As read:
6 h 47 min
